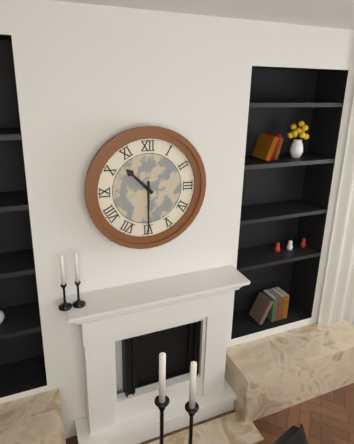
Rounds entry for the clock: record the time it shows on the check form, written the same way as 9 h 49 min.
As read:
10 h 30 min
